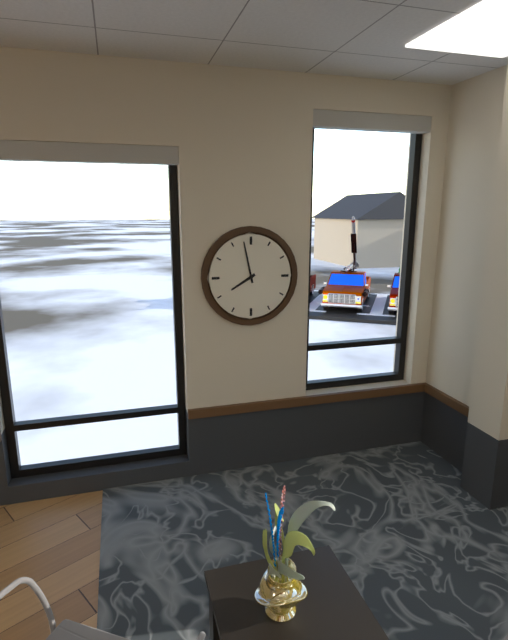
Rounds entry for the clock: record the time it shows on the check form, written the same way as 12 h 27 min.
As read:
7 h 58 min
